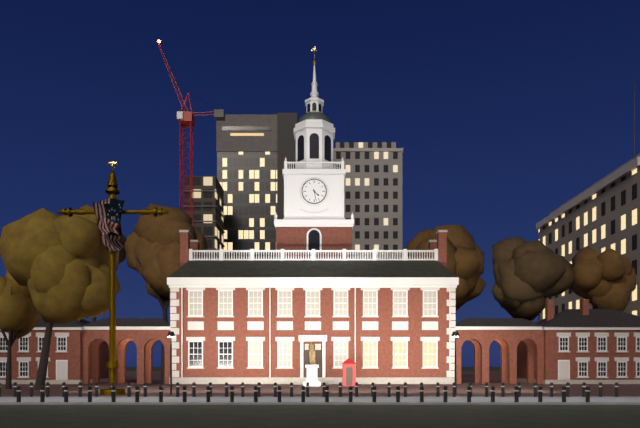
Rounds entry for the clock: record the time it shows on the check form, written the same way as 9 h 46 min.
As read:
4 h 28 min
